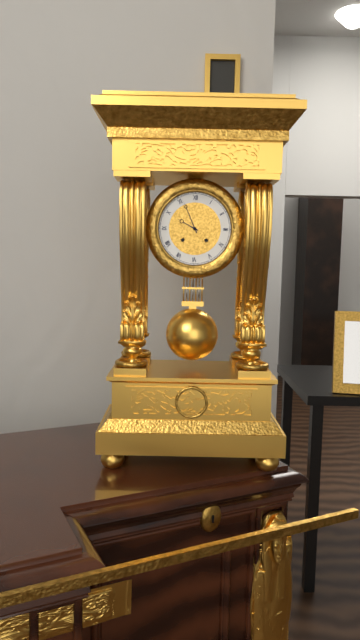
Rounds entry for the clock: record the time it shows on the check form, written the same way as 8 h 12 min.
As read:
9 h 56 min
